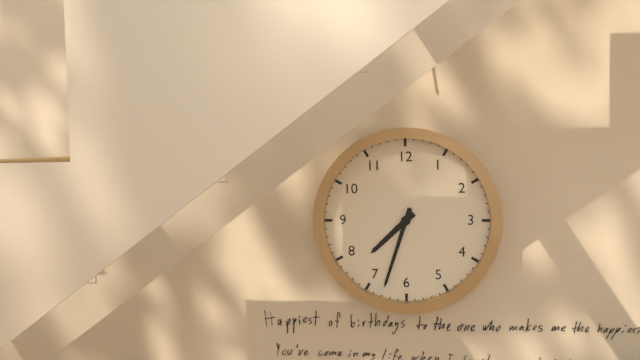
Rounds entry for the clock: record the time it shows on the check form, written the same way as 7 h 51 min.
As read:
7 h 33 min
